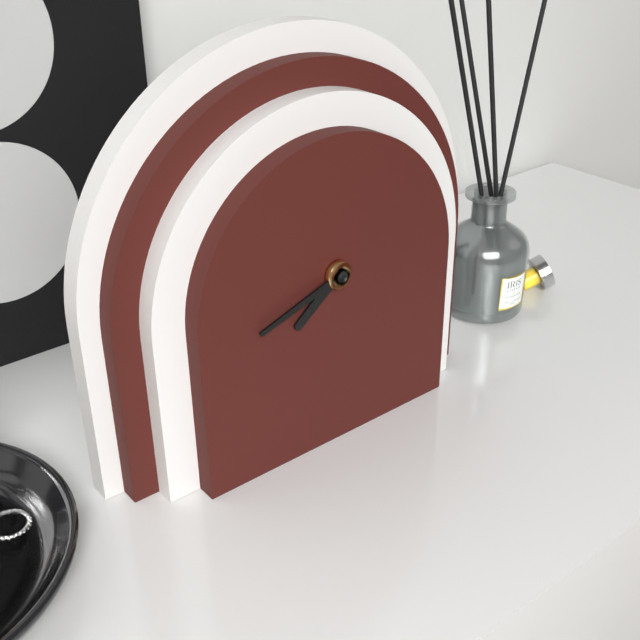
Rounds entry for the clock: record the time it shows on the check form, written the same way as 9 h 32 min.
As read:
7 h 42 min
